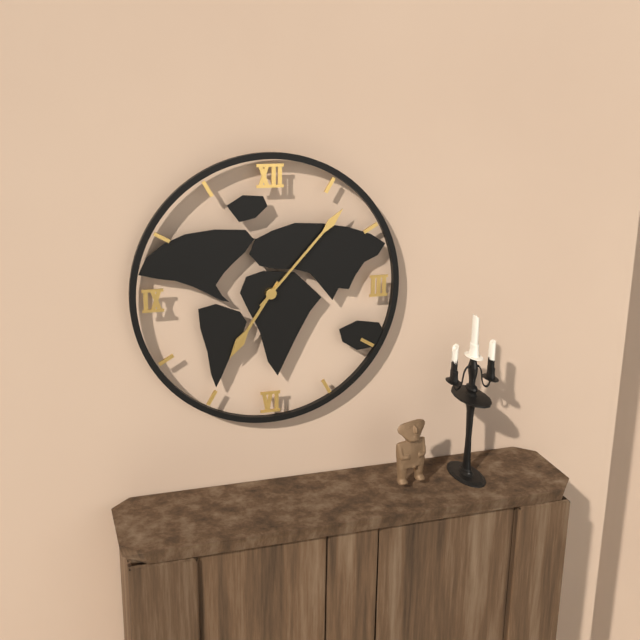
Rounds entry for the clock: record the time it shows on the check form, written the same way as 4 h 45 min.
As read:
7 h 07 min
